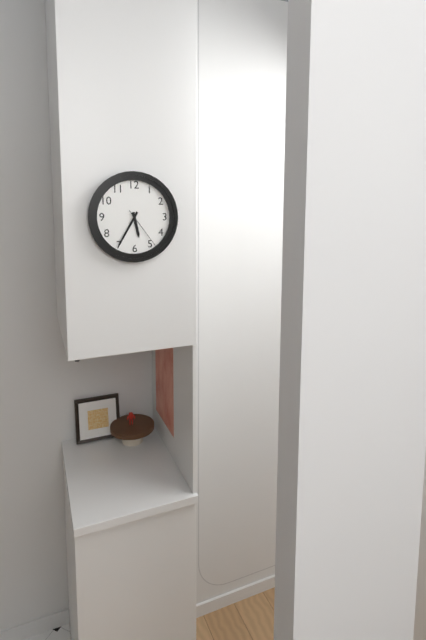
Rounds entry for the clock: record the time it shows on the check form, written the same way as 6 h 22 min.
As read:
5 h 35 min
